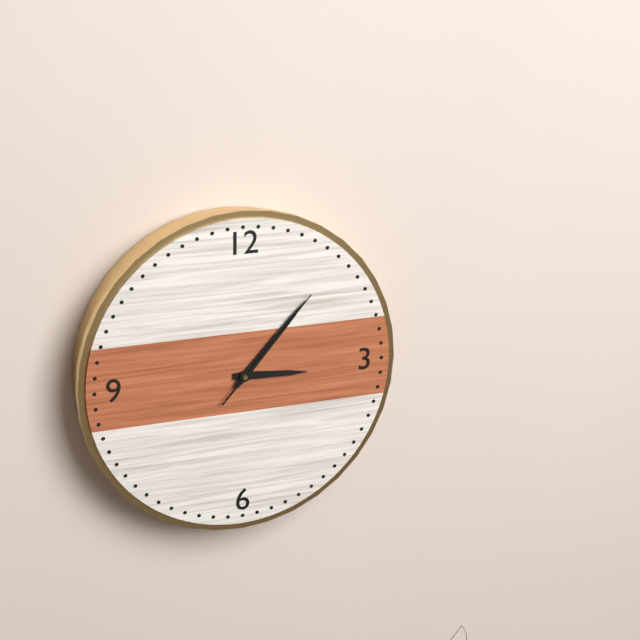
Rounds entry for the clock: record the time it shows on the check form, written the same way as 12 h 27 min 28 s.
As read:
3 h 07 min 07 s
